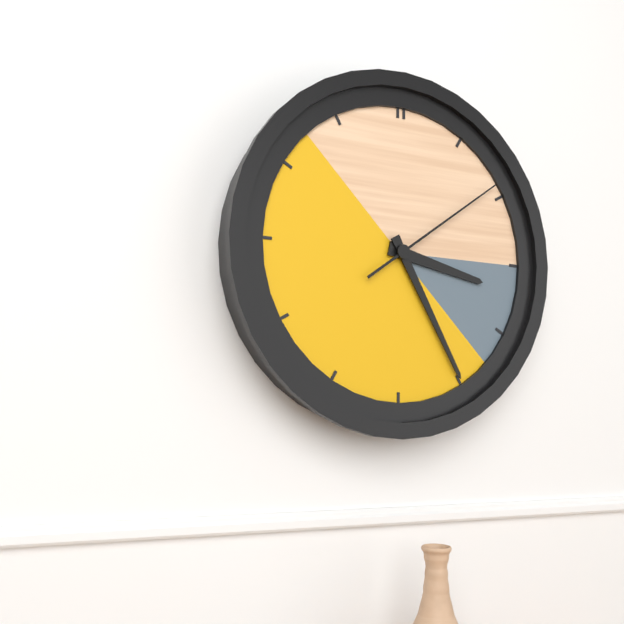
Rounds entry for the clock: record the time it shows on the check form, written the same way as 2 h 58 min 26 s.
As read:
3 h 25 min 09 s
